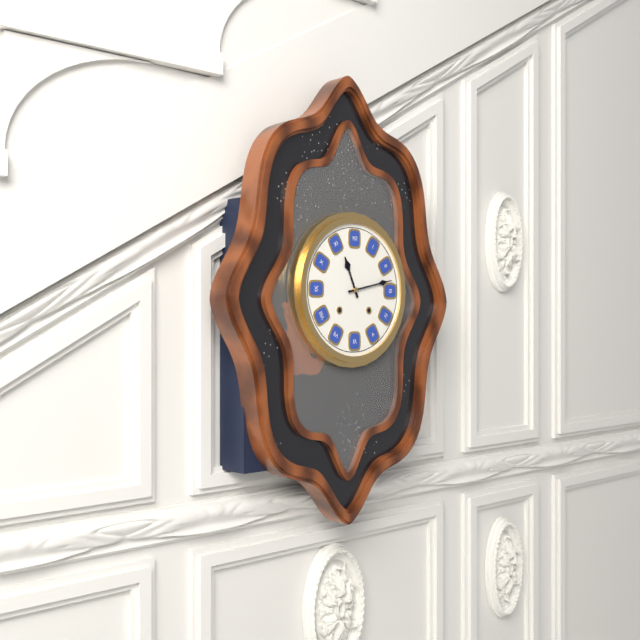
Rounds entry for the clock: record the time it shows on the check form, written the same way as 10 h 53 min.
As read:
11 h 13 min
